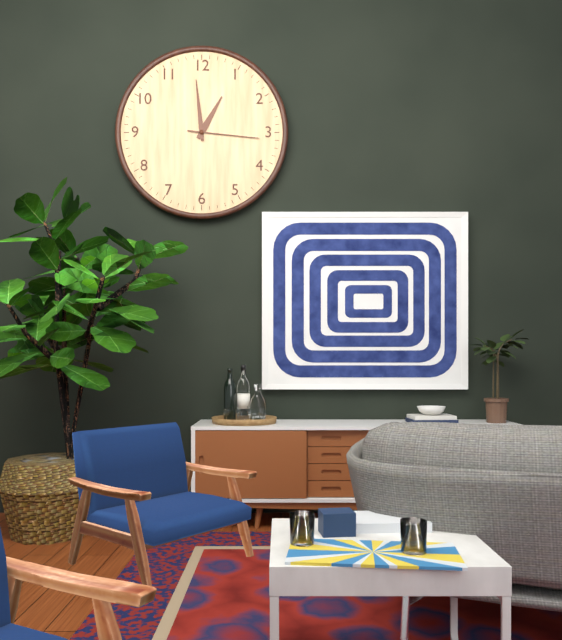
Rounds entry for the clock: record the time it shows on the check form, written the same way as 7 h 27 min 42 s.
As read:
12 h 59 min 16 s
